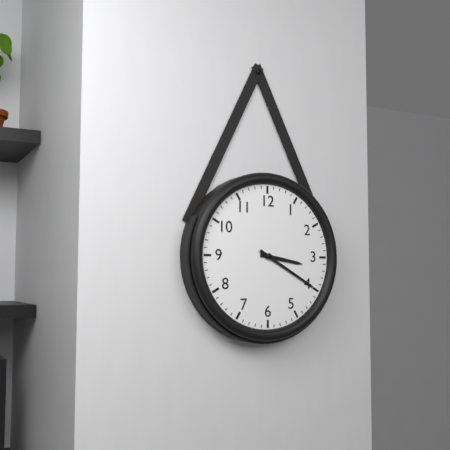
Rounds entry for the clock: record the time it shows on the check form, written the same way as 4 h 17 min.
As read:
3 h 20 min
